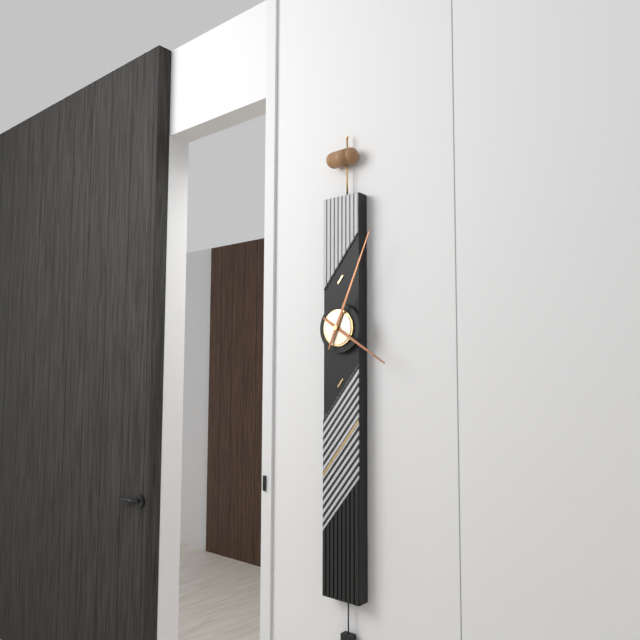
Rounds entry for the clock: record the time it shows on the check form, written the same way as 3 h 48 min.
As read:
4 h 04 min
